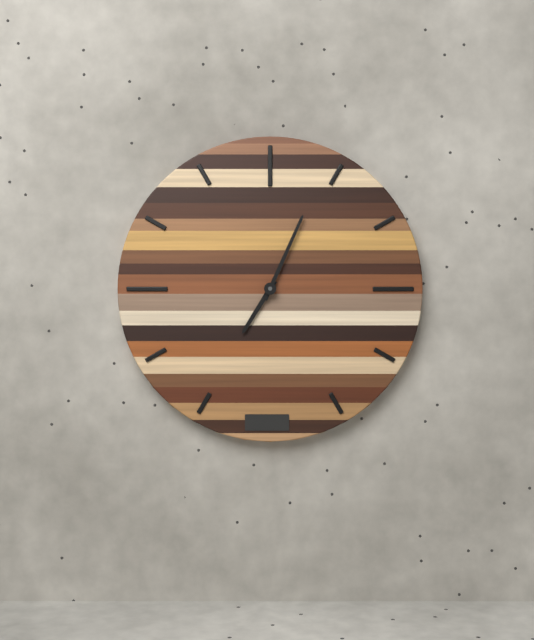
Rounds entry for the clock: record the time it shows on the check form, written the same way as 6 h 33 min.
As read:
7 h 04 min
